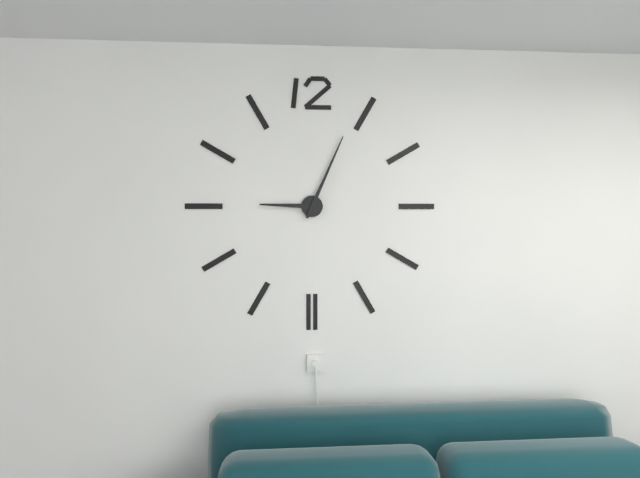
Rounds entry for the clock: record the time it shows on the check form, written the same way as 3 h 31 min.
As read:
9 h 04 min
